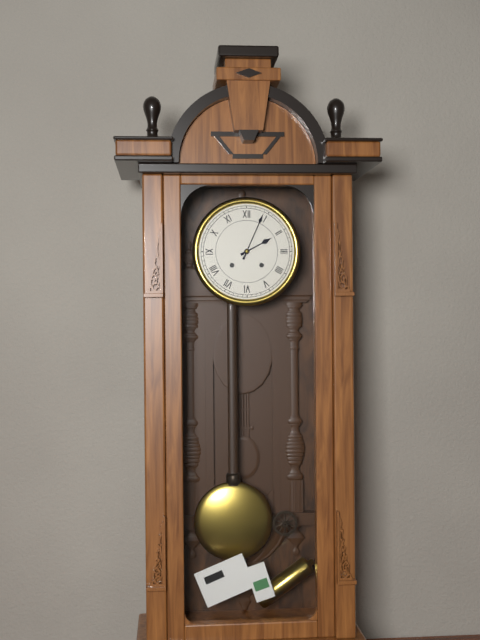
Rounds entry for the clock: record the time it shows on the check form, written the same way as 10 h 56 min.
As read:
2 h 04 min
